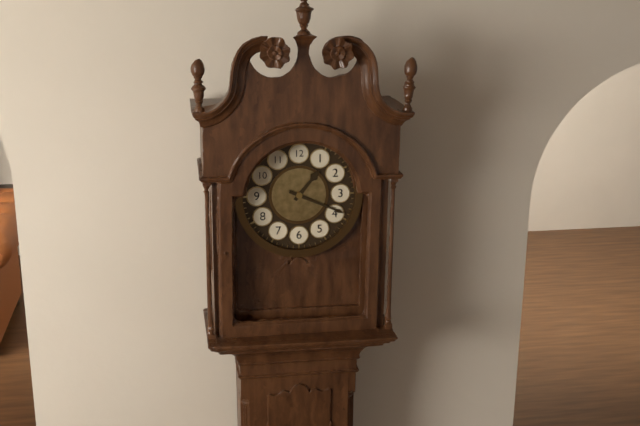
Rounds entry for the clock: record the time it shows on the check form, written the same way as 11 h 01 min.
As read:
1 h 19 min
